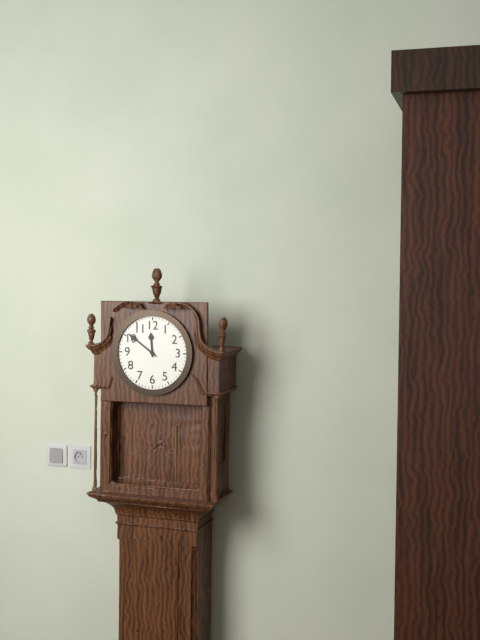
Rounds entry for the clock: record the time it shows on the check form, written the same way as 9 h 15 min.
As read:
11 h 51 min
